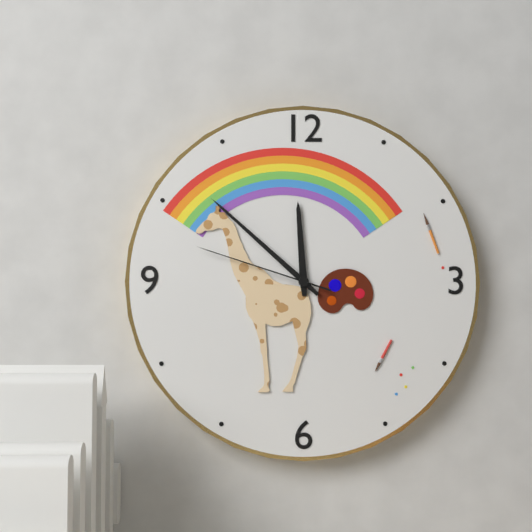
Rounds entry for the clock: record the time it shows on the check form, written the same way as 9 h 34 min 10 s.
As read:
11 h 52 min 48 s
